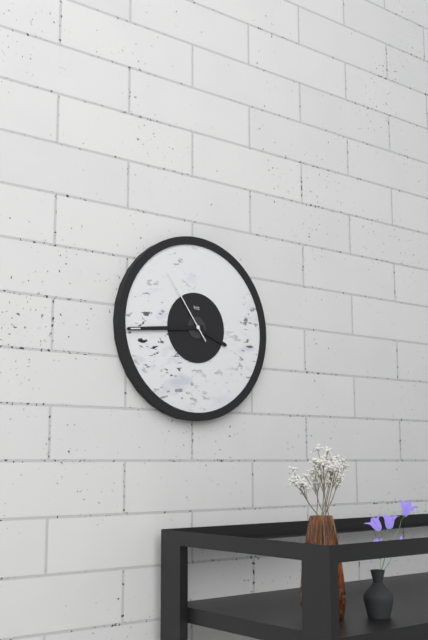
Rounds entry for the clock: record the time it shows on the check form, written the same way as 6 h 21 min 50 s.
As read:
3 h 44 min 54 s
